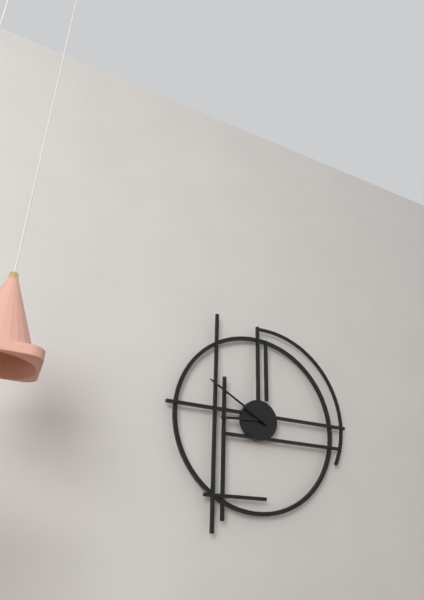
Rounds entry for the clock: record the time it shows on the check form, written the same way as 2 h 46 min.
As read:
8 h 50 min
